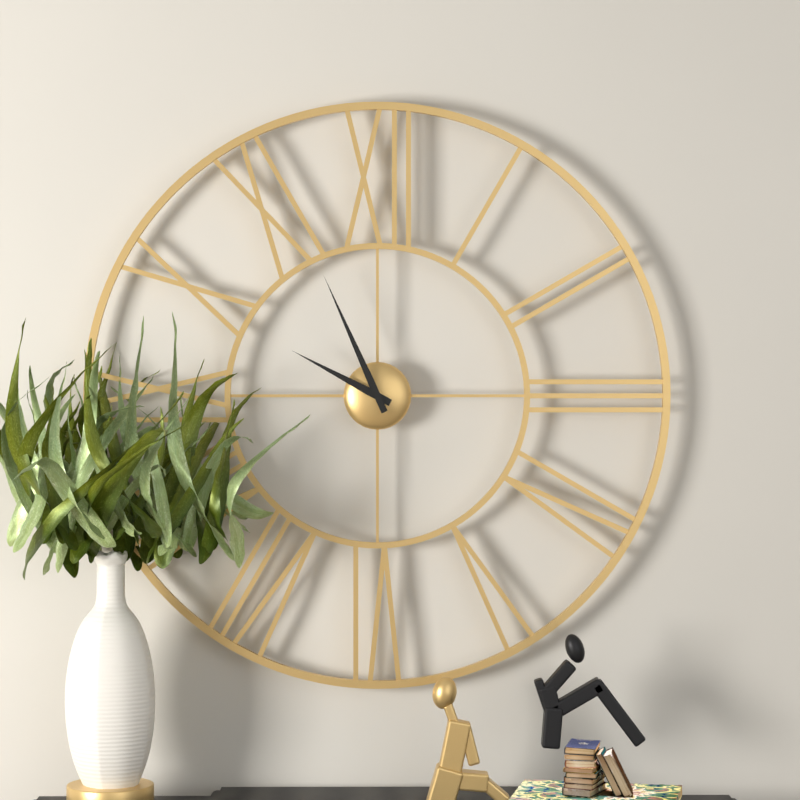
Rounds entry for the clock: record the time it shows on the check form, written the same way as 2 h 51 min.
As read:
9 h 56 min
